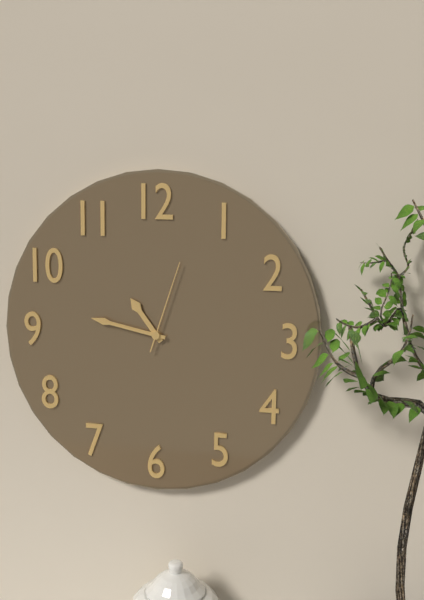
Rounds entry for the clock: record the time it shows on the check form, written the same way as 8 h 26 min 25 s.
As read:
10 h 47 min 03 s
